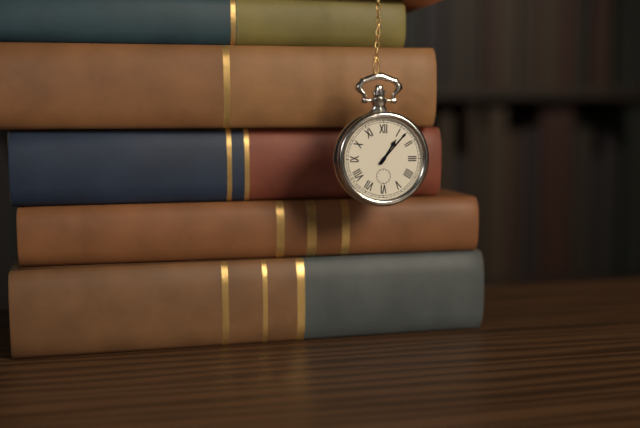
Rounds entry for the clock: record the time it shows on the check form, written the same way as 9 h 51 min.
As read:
1 h 07 min
